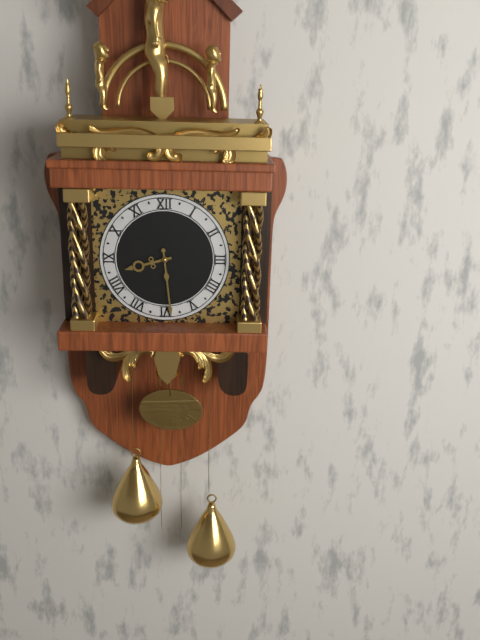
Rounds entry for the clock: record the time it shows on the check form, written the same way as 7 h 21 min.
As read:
8 h 29 min
